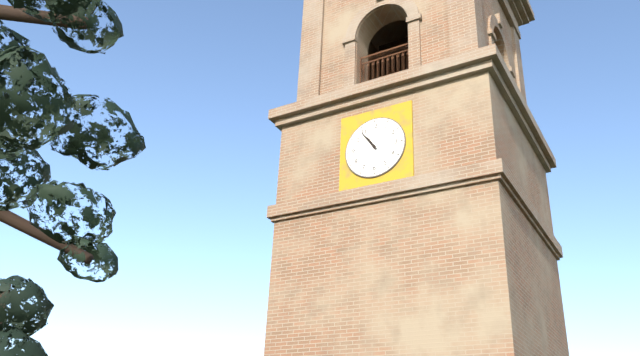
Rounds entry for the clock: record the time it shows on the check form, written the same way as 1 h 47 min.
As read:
10 h 54 min
